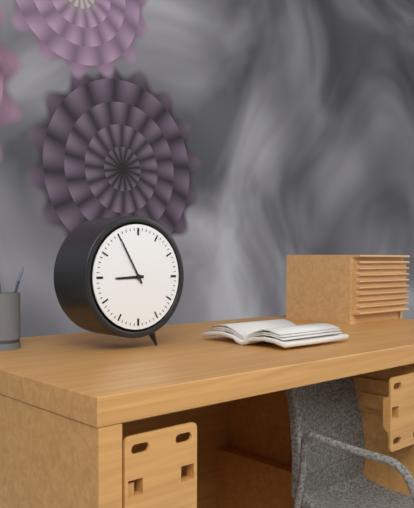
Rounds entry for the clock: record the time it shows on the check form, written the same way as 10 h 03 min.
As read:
8 h 55 min
